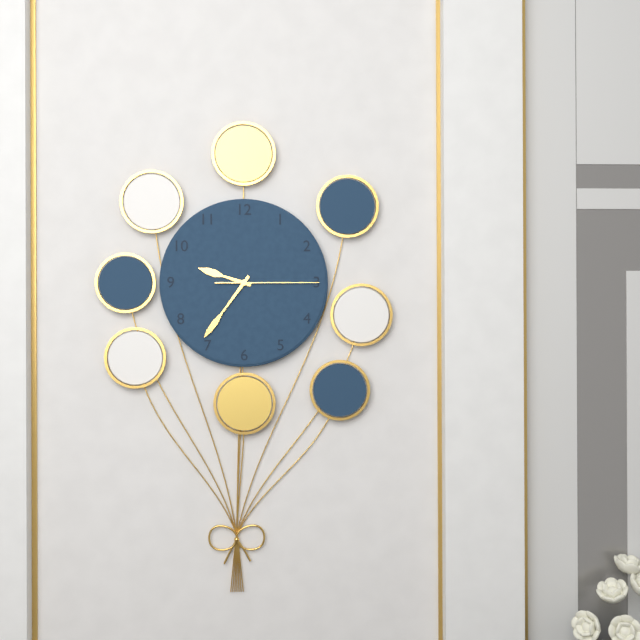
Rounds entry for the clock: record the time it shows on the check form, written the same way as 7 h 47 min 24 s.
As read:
9 h 36 min 15 s
